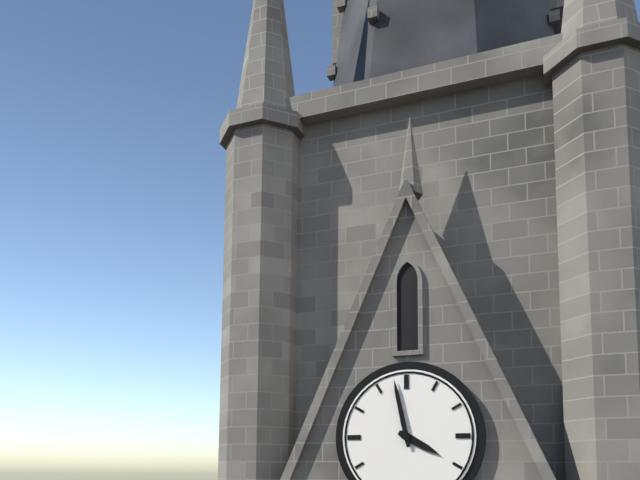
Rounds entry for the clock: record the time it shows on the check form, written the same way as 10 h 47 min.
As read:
3 h 58 min
